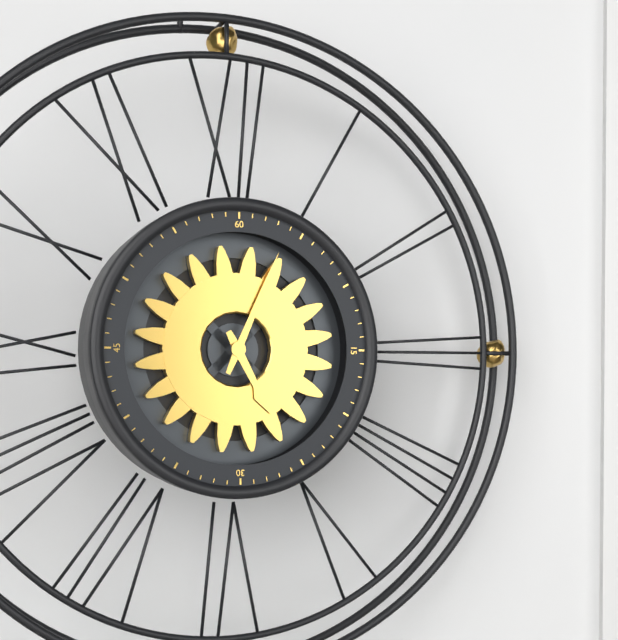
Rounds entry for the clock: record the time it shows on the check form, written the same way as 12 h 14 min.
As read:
5 h 04 min
